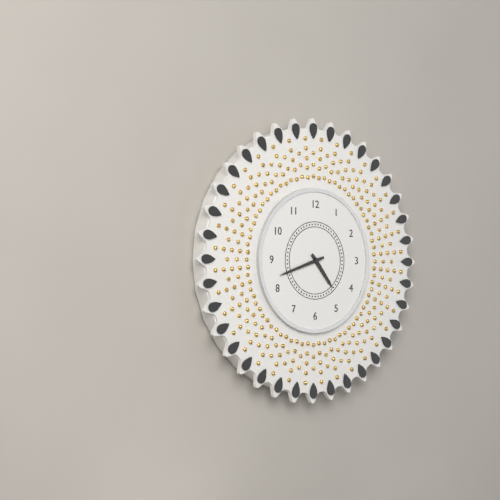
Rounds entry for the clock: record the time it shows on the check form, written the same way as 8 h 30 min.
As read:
4 h 42 min
